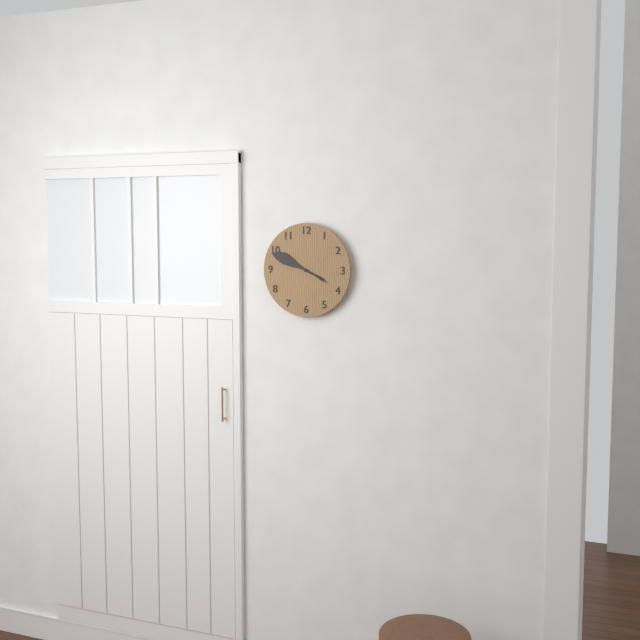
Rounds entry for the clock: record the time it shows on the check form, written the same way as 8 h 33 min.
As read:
3 h 49 min
